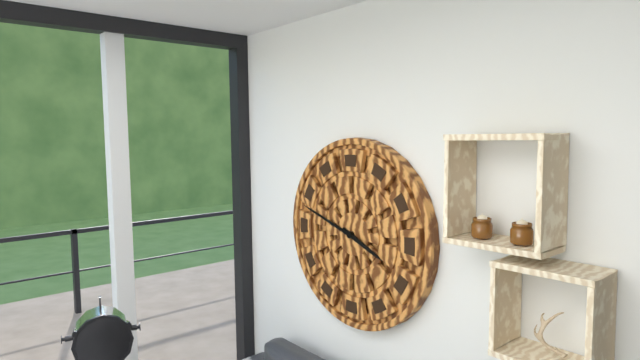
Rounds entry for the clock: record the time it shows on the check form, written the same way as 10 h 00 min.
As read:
3 h 48 min
